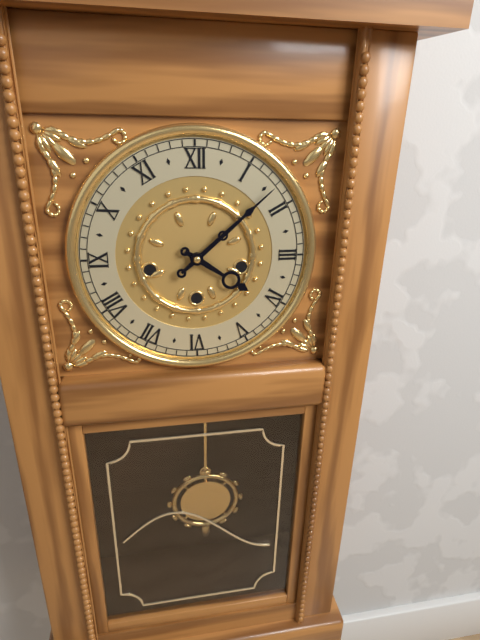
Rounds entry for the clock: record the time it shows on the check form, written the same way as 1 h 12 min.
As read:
4 h 08 min
